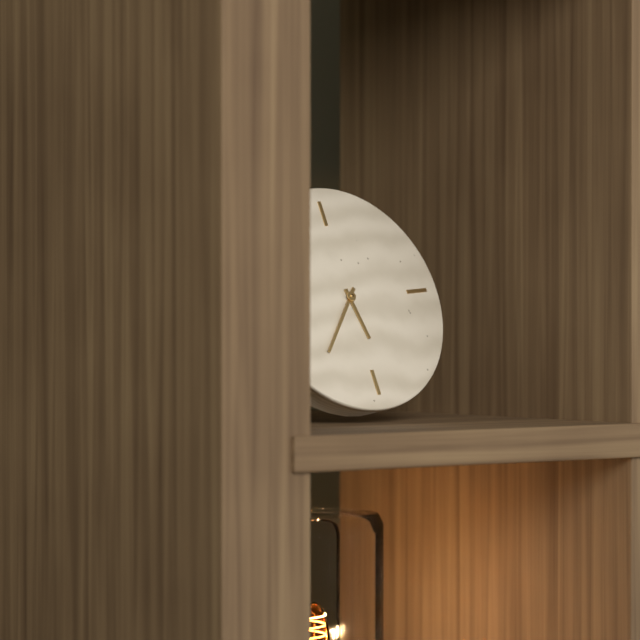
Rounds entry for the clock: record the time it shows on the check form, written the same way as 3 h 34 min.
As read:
5 h 37 min
